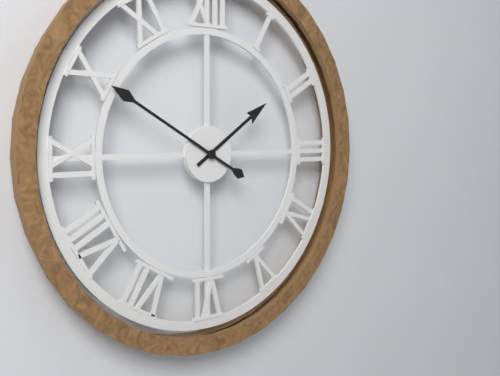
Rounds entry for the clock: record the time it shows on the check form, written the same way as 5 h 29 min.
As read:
1 h 50 min
